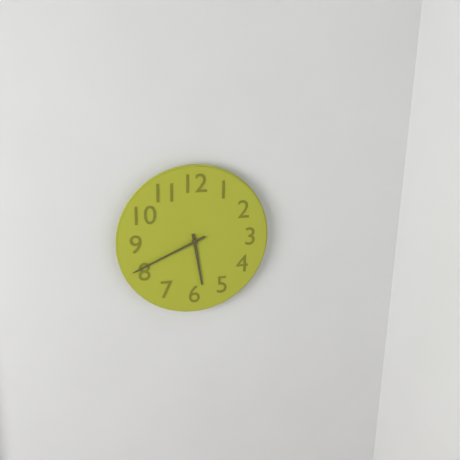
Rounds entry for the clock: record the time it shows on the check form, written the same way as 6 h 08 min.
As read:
5 h 41 min
